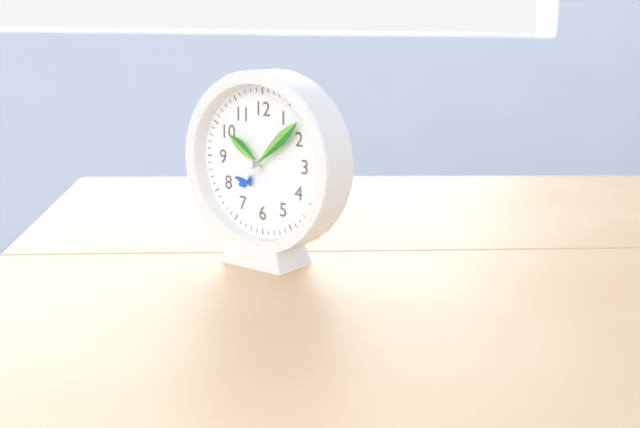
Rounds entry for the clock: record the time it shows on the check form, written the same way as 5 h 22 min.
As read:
10 h 08 min
